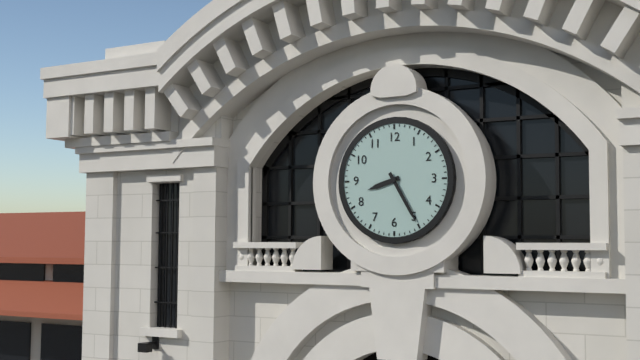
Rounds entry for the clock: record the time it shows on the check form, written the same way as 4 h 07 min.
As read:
8 h 25 min
